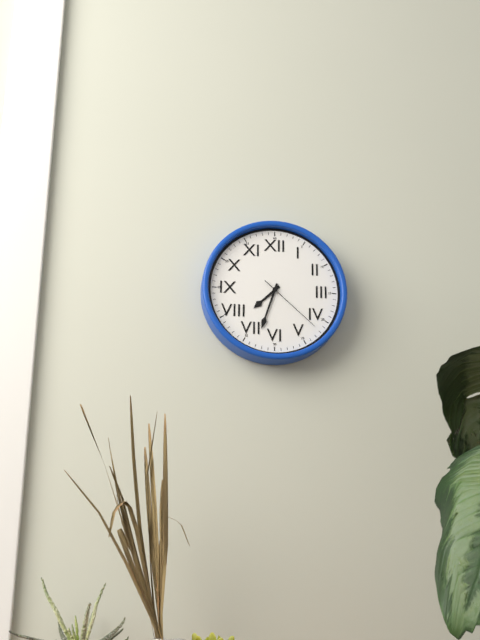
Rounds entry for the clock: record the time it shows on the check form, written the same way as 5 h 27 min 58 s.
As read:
7 h 33 min 22 s
